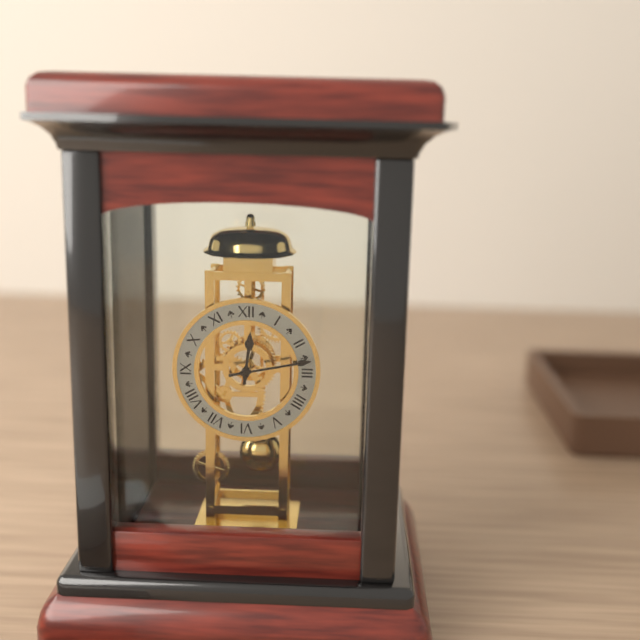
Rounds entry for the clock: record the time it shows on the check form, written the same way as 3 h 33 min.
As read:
12 h 13 min
